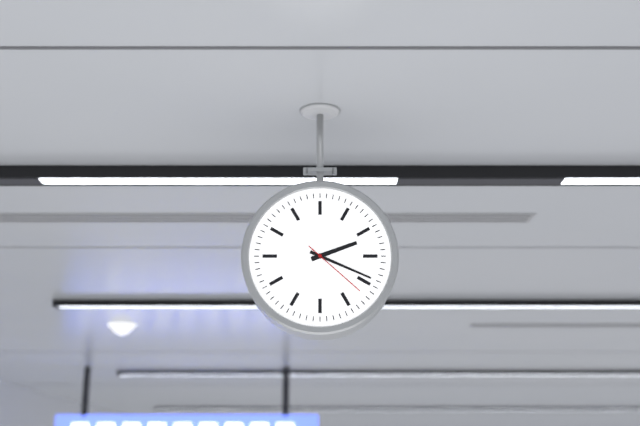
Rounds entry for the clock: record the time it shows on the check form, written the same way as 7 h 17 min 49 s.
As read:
2 h 19 min 22 s
